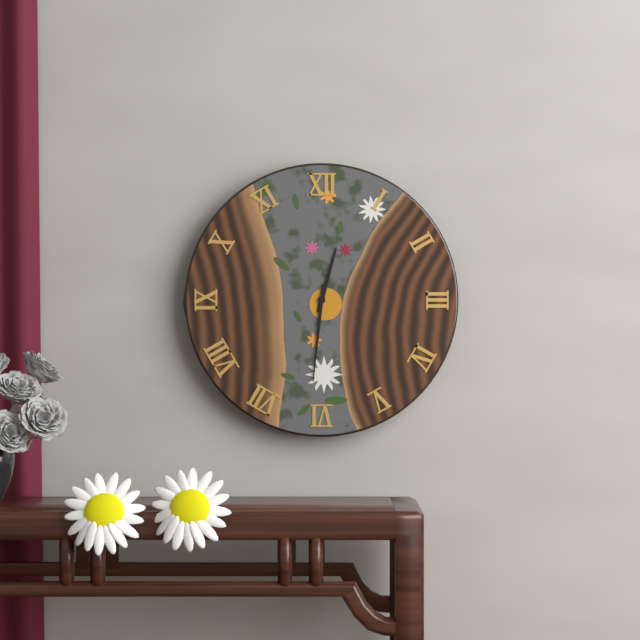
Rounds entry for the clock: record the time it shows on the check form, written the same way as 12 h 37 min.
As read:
12 h 31 min
